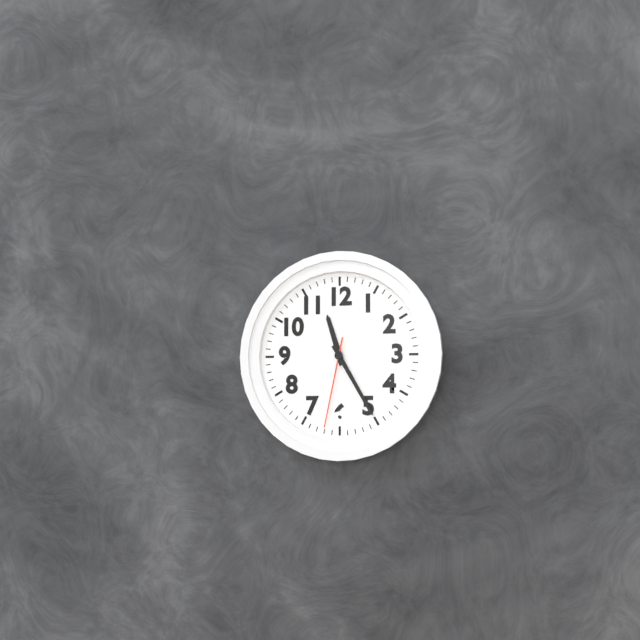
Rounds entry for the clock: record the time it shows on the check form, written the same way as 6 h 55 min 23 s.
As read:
11 h 25 min 32 s
